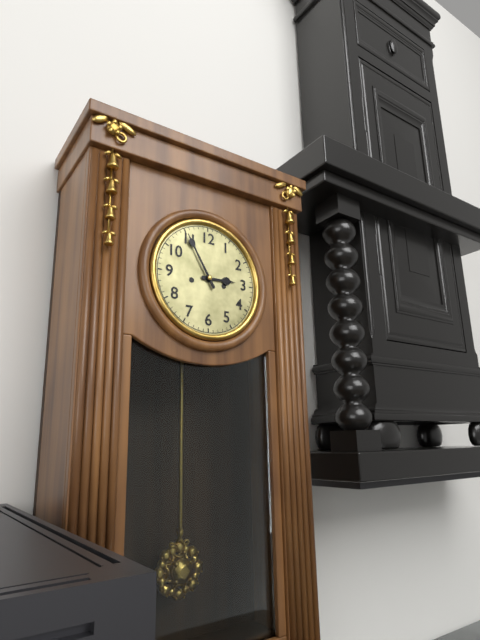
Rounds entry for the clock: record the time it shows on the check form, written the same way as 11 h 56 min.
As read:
2 h 55 min
